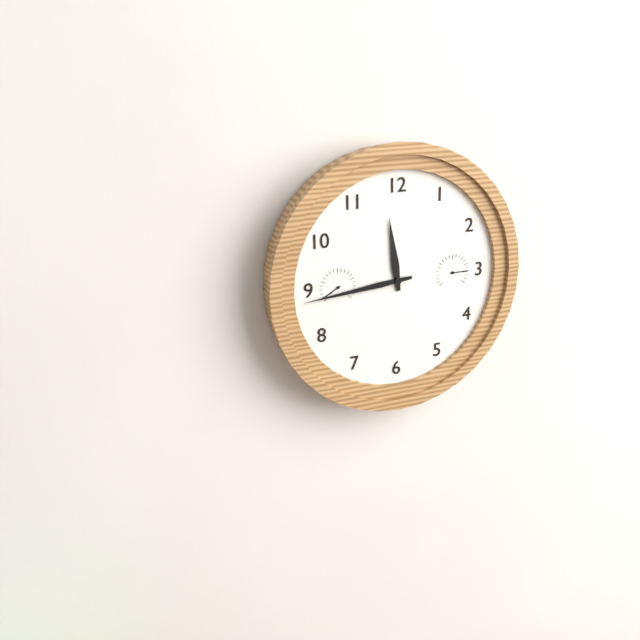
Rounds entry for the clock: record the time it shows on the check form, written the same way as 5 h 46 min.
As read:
11 h 44 min
